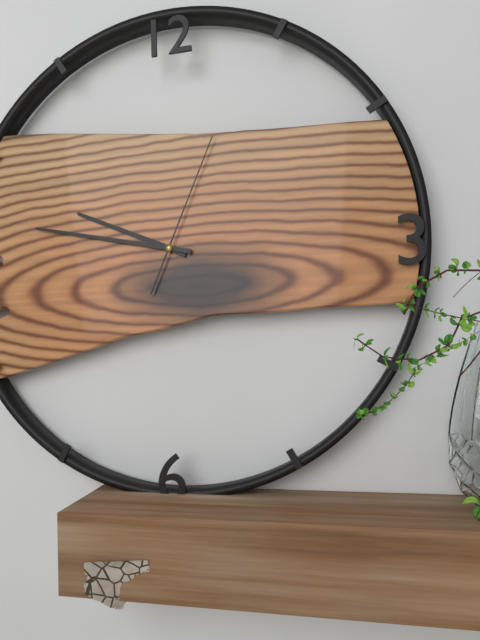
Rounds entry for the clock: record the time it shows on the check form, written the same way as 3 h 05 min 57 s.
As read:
9 h 47 min 04 s
